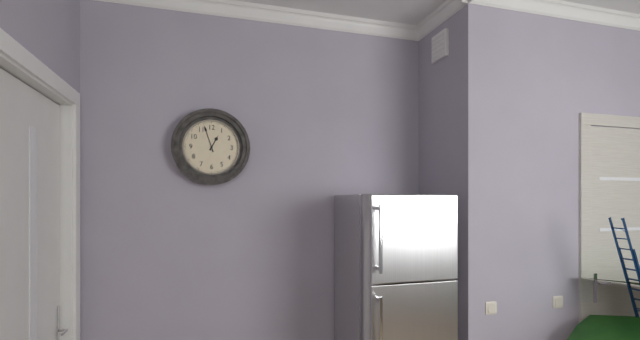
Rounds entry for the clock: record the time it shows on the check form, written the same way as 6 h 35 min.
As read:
12 h 57 min
